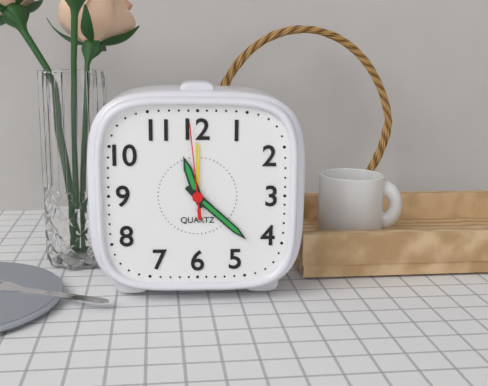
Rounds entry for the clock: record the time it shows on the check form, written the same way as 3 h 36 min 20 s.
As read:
11 h 22 min 59 s
